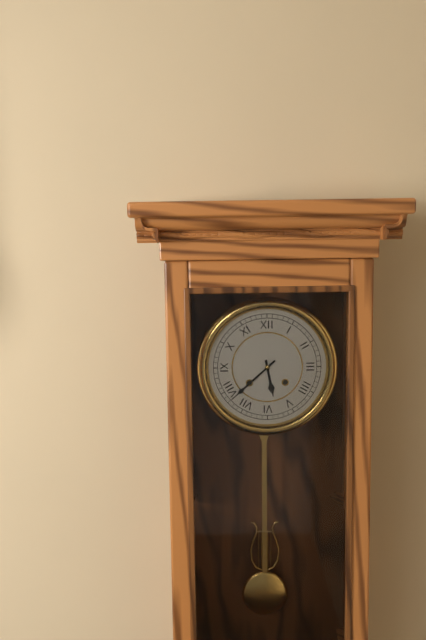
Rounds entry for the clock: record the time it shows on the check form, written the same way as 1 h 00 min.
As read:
5 h 38 min
